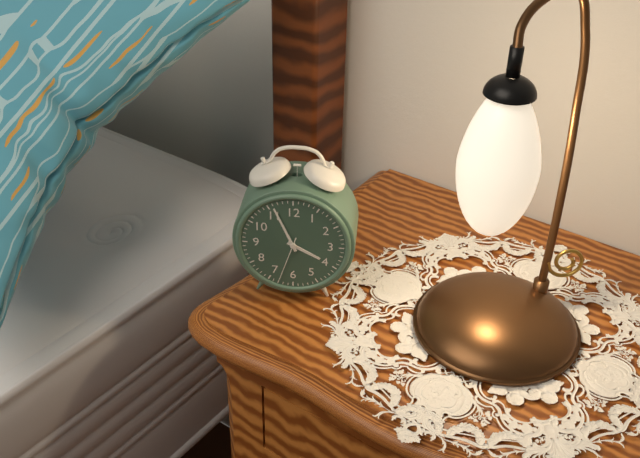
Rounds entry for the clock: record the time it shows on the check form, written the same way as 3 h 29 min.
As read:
3 h 56 min
